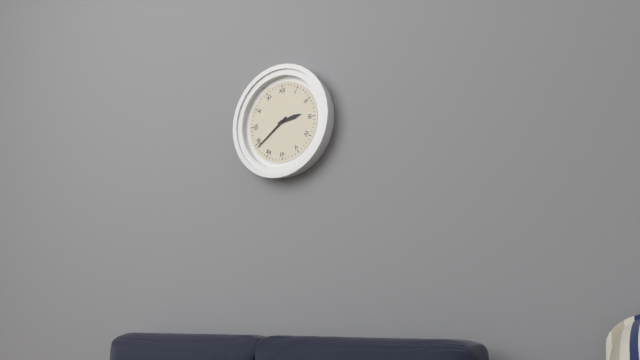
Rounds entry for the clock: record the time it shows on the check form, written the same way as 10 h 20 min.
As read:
2 h 39 min
